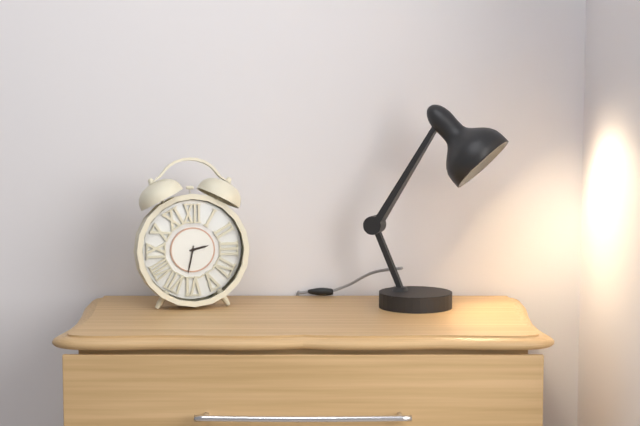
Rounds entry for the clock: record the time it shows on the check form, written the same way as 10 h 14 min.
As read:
2 h 32 min
